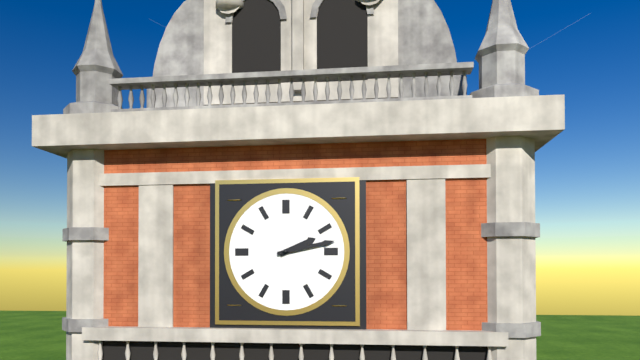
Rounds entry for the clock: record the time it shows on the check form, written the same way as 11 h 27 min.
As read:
2 h 13 min
